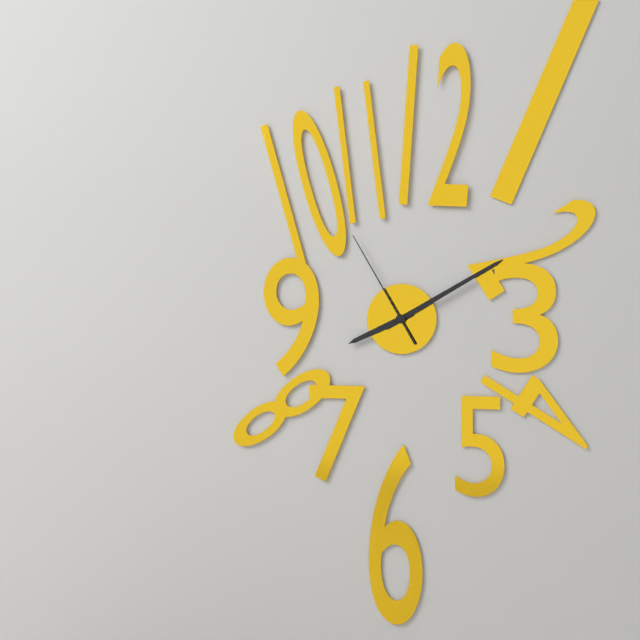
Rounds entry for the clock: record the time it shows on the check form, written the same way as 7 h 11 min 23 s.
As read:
8 h 10 min 55 s
